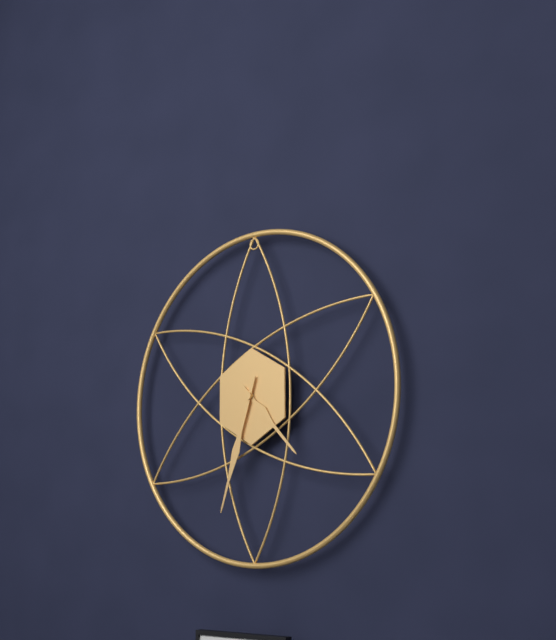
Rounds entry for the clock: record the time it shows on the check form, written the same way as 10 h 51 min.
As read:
4 h 33 min
